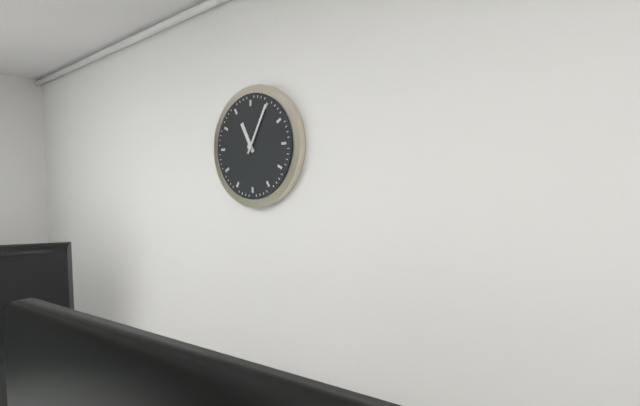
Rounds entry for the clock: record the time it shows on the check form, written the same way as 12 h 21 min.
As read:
11 h 05 min
